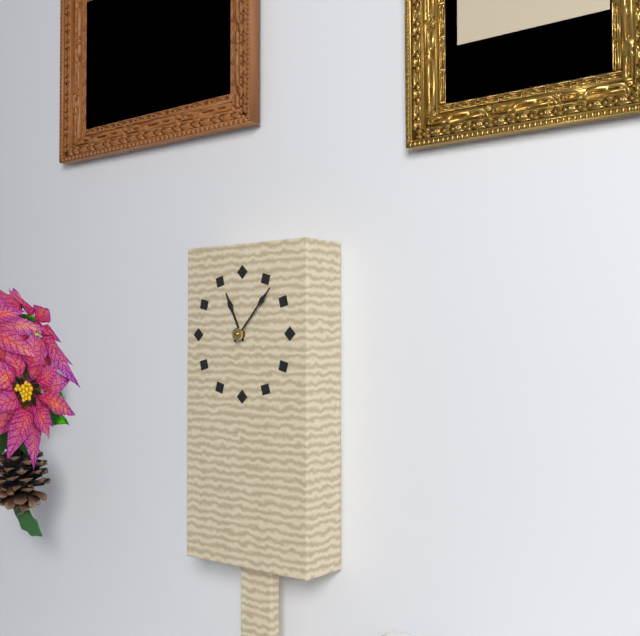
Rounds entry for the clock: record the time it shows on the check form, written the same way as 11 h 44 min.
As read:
11 h 07 min
